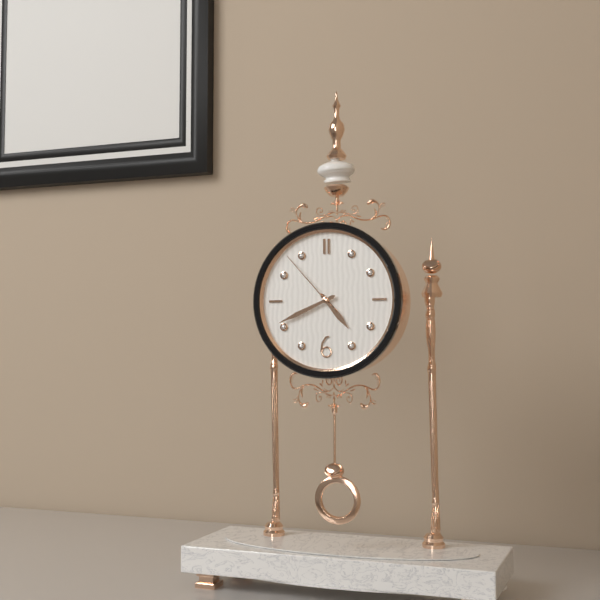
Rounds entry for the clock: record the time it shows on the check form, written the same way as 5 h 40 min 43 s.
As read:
4 h 41 min 53 s
